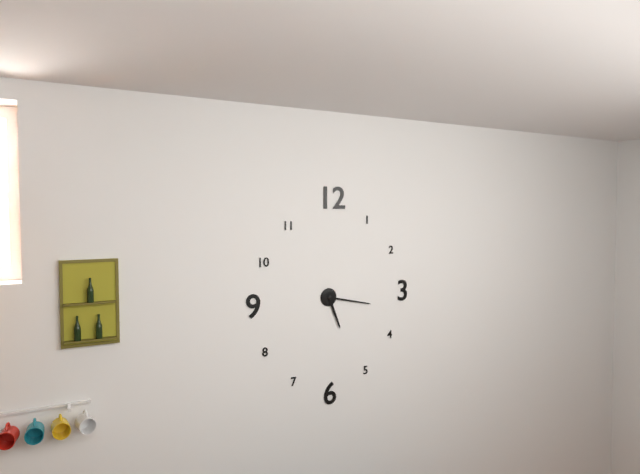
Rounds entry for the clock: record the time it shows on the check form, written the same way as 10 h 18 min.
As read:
5 h 17 min
